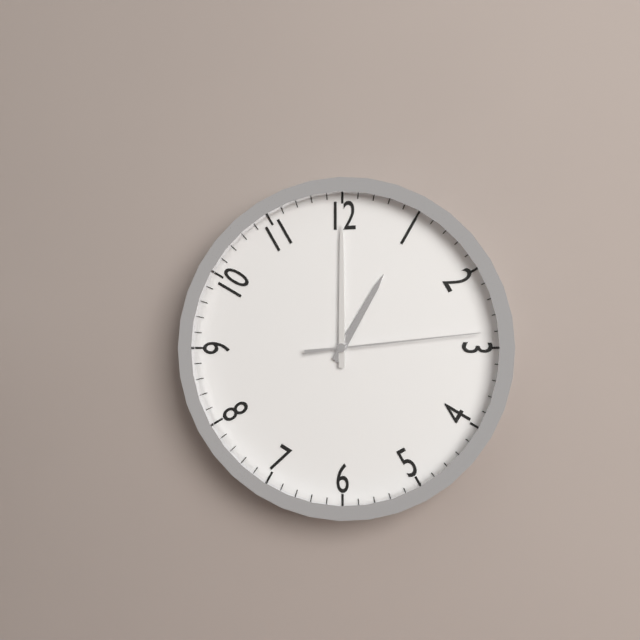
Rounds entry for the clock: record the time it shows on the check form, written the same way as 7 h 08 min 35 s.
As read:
1 h 00 min 14 s
